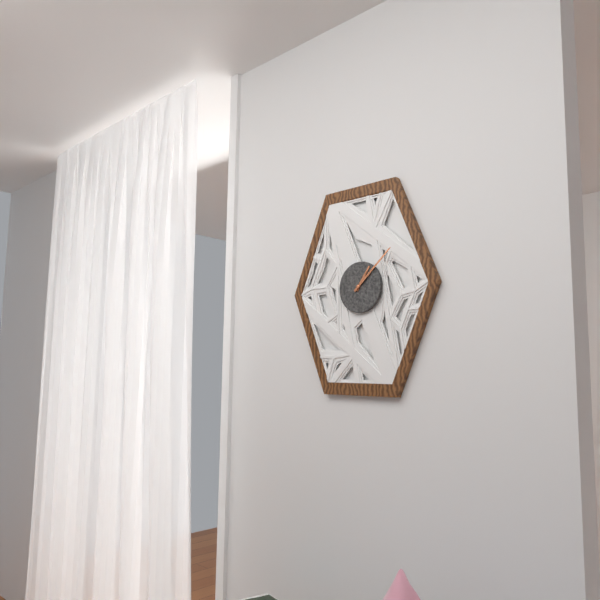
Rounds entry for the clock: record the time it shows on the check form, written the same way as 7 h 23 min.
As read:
1 h 08 min
